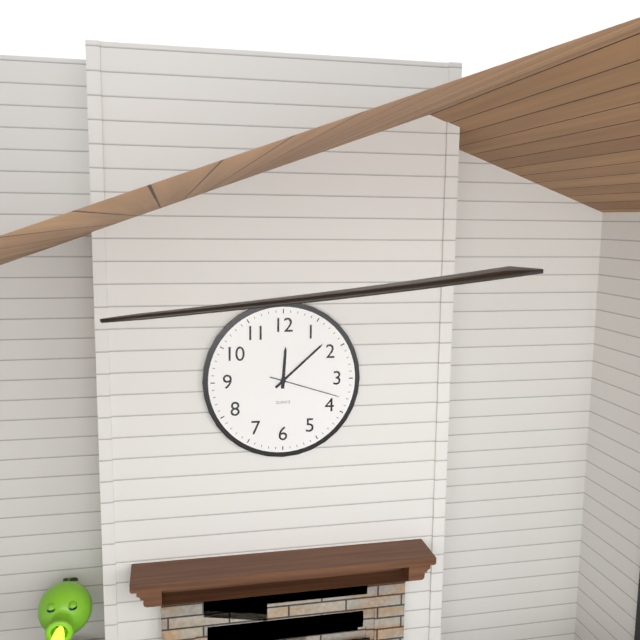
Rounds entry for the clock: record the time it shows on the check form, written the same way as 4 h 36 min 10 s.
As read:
12 h 08 min 18 s
